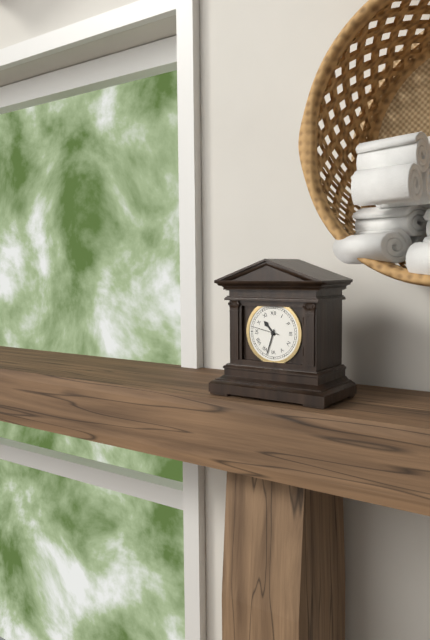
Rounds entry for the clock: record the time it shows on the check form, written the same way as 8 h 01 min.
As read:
10 h 33 min
